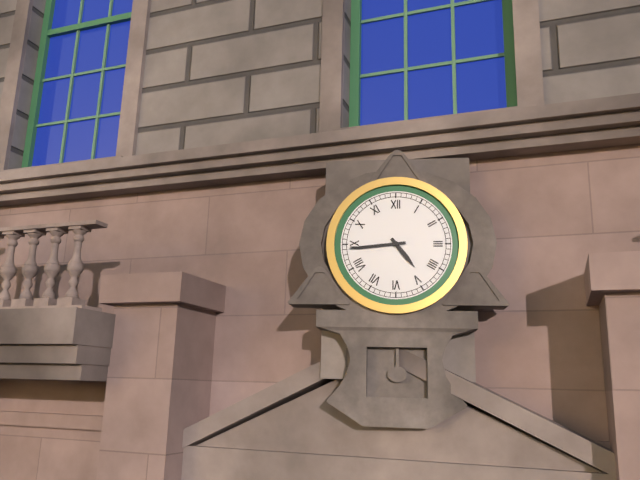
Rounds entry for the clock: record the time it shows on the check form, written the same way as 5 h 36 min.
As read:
4 h 44 min
